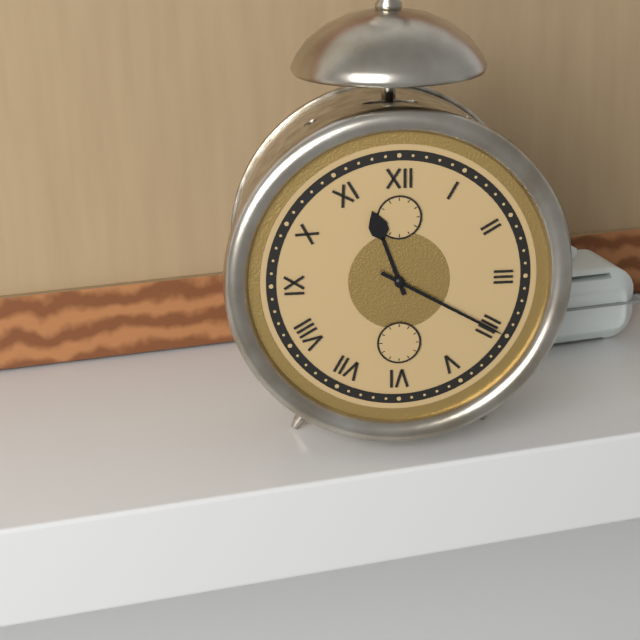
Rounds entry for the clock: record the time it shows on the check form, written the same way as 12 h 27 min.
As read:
11 h 20 min
